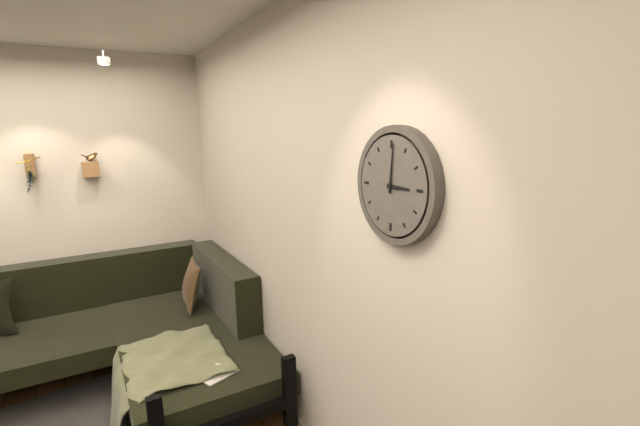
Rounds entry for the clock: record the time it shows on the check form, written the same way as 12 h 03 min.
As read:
3 h 01 min
